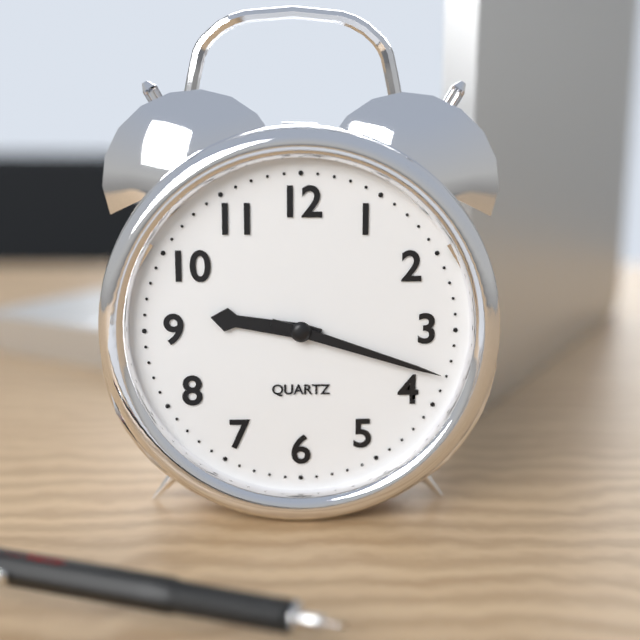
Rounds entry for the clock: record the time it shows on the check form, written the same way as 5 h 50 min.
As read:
9 h 18 min
